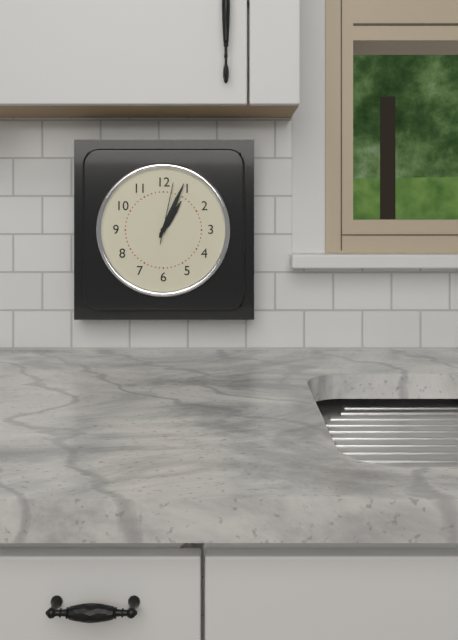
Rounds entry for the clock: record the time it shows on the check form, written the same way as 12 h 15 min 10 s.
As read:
1 h 04 min 02 s
